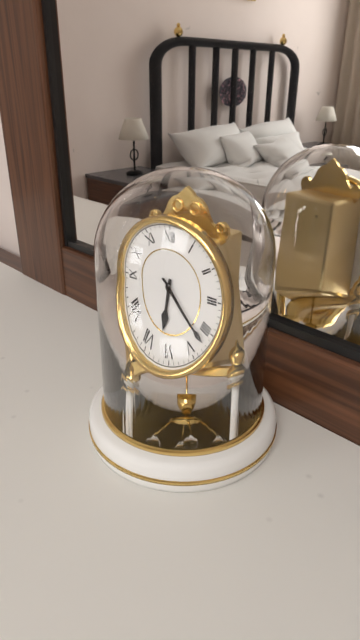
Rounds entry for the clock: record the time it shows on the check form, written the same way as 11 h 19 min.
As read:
6 h 22 min
